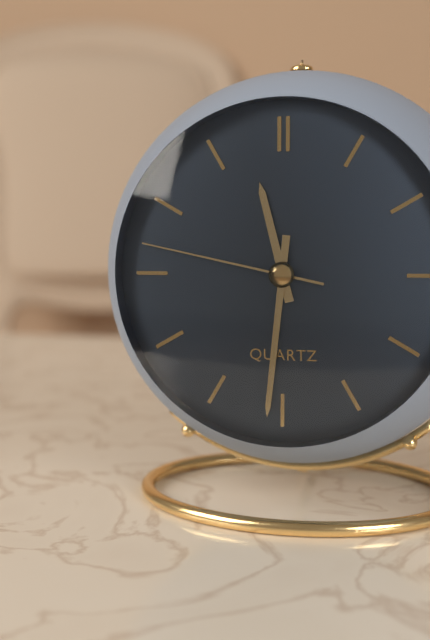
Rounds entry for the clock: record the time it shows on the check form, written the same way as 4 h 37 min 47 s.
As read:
11 h 31 min 47 s
